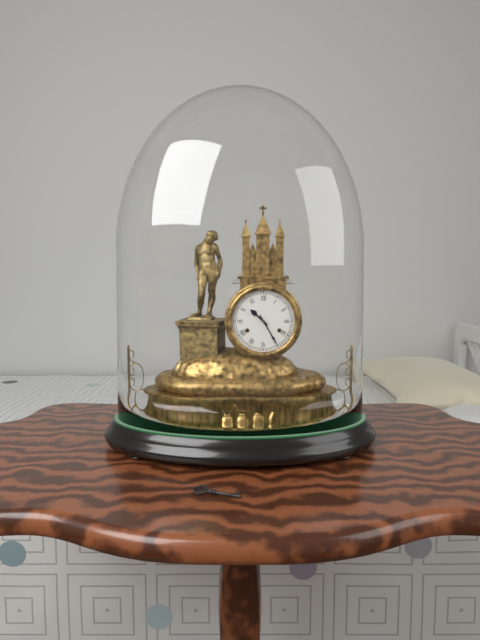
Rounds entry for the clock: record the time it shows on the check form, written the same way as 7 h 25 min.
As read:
10 h 25 min
